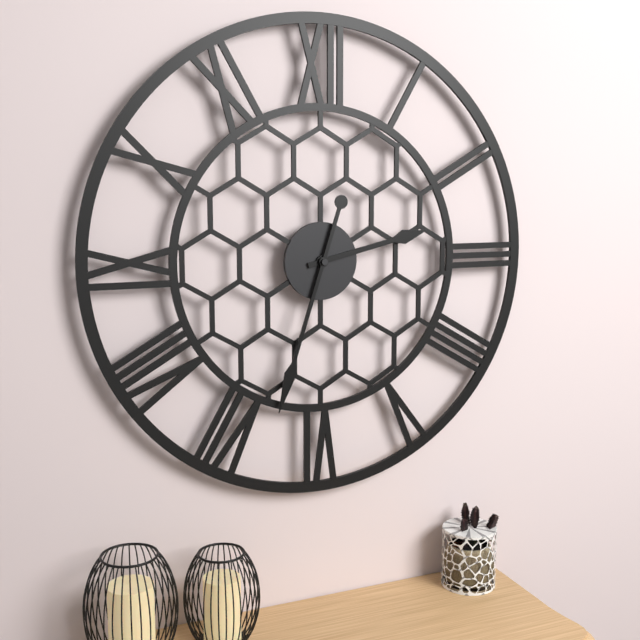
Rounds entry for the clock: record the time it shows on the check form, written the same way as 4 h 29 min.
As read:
2 h 33 min
